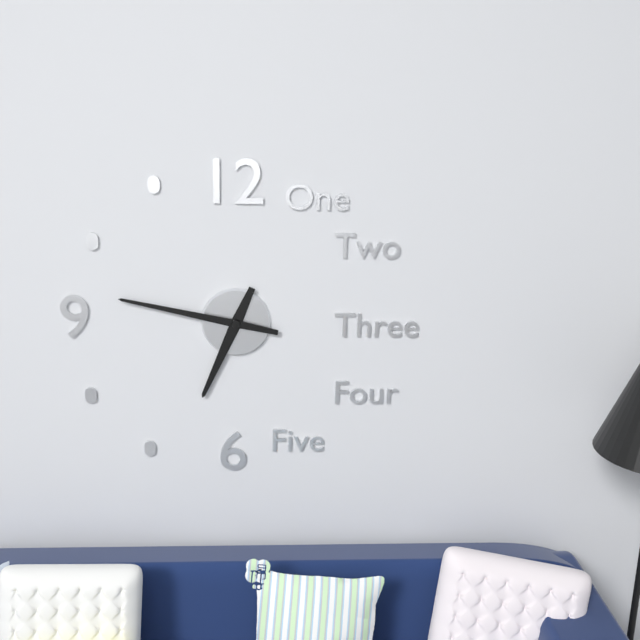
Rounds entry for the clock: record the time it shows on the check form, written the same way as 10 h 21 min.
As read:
6 h 47 min
